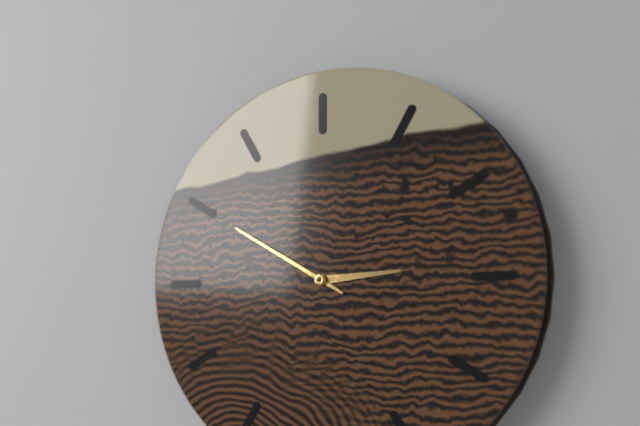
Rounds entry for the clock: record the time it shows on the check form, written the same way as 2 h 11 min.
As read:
2 h 50 min
